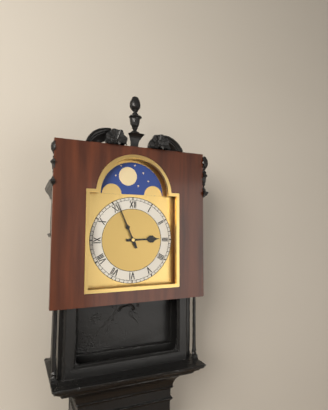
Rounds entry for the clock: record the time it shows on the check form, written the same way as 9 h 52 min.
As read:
2 h 56 min
